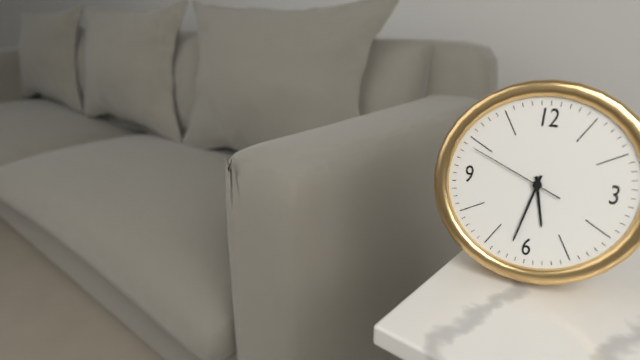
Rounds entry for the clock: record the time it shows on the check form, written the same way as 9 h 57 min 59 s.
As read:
5 h 32 min 49 s
